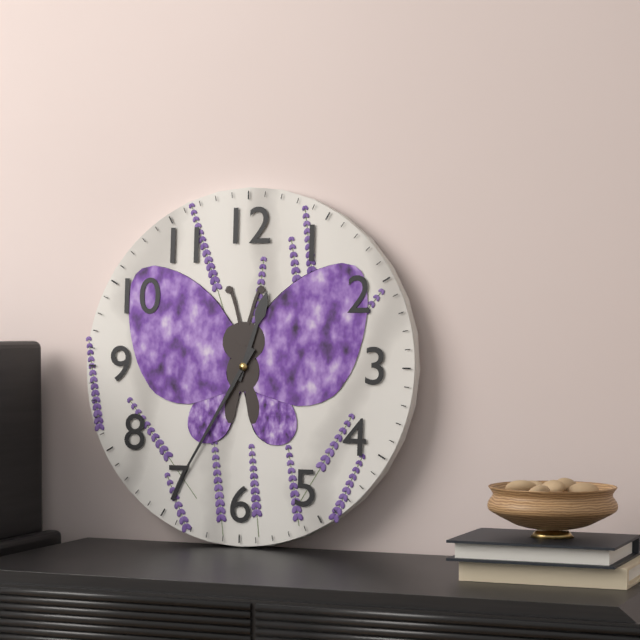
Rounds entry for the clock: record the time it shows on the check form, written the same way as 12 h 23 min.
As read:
12 h 35 min
